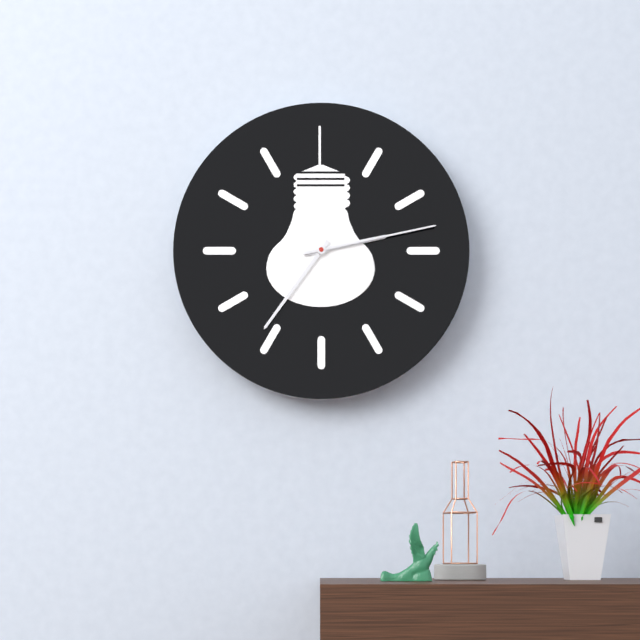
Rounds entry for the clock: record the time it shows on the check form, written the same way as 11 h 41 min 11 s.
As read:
2 h 36 min 13 s
